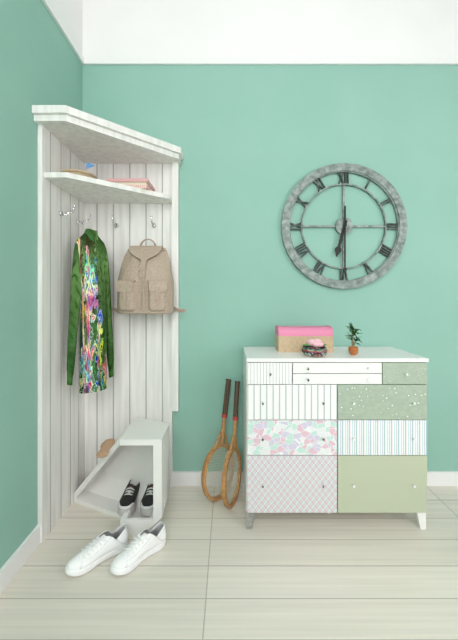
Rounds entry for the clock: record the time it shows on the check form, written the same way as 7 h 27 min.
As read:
6 h 30 min
